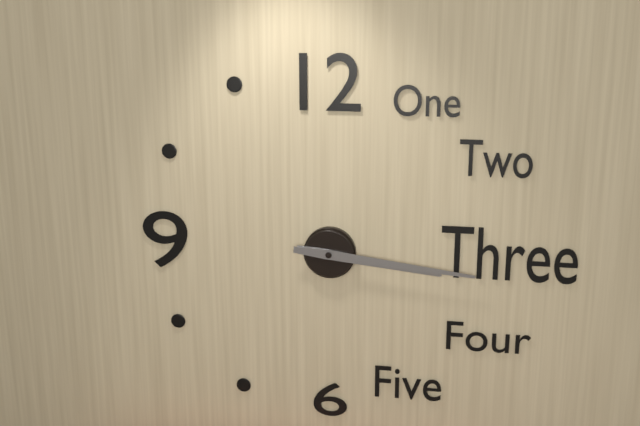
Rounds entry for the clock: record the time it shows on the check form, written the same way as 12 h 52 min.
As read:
3 h 16 min
